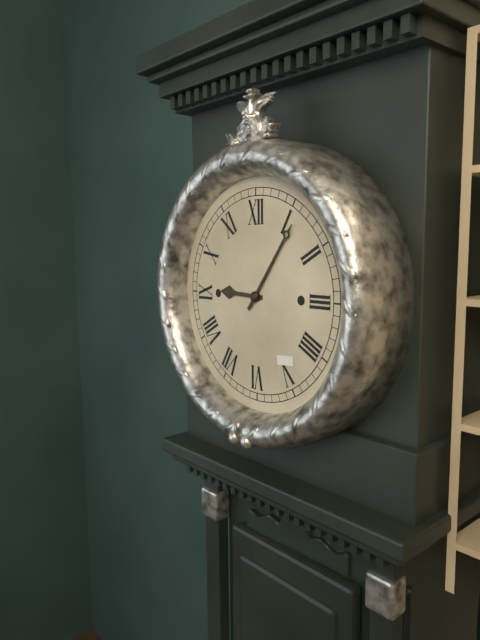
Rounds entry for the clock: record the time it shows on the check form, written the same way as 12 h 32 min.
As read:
9 h 06 min
